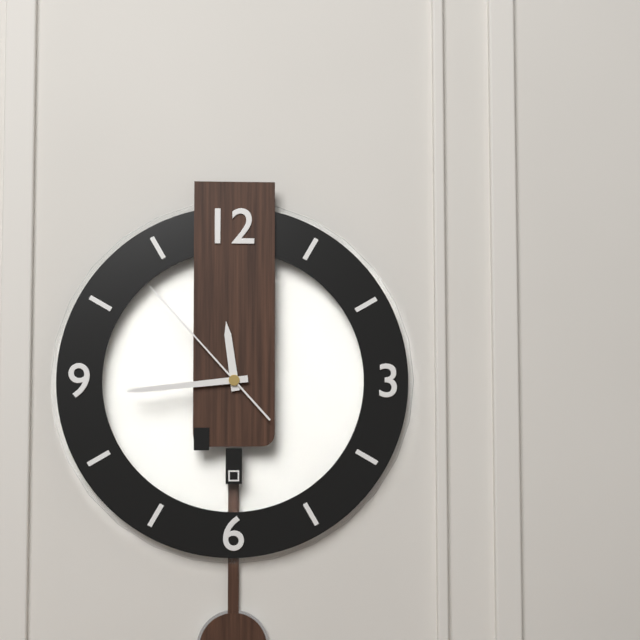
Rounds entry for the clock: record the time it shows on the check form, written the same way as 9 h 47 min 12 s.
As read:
11 h 44 min 53 s
